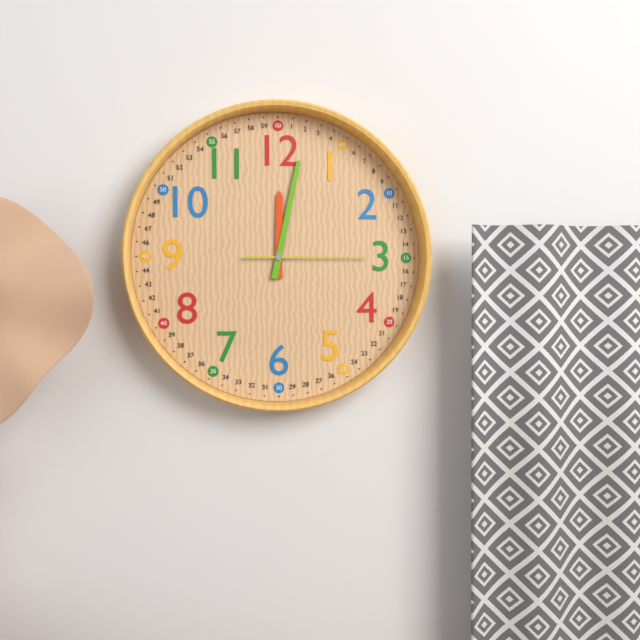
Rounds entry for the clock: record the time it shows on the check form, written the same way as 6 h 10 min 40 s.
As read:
12 h 02 min 15 s
